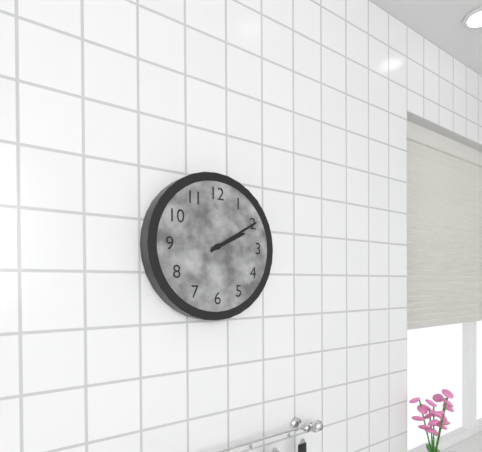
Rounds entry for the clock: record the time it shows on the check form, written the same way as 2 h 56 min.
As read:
2 h 10 min
